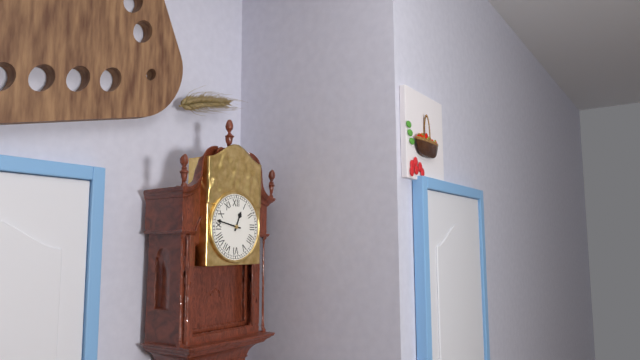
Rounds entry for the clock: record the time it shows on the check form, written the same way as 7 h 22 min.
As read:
12 h 47 min
